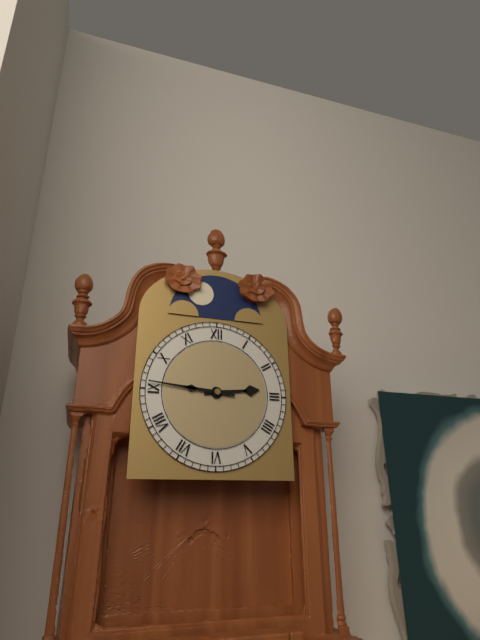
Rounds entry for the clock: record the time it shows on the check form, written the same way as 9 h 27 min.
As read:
2 h 46 min
